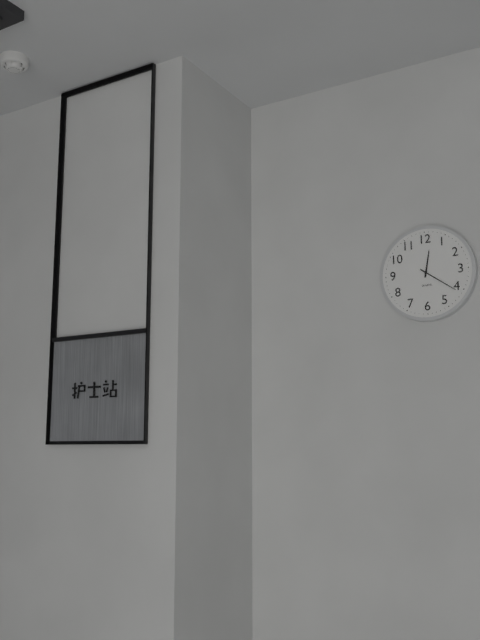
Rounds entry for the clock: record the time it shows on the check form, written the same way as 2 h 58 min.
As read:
12 h 21 min
